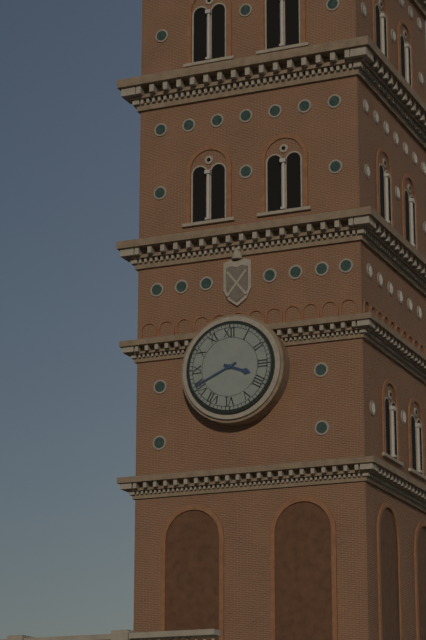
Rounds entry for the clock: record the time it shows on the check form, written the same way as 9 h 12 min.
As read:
3 h 41 min
